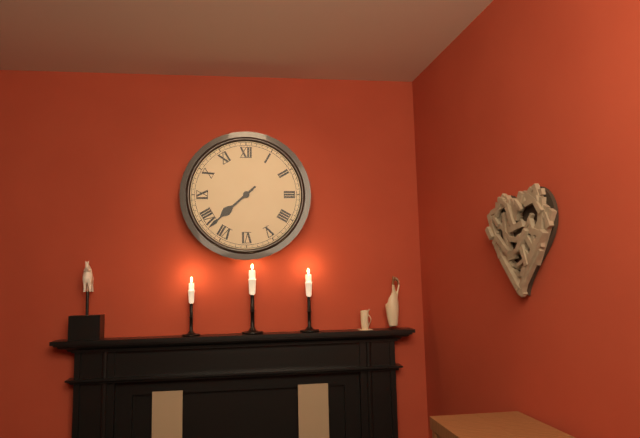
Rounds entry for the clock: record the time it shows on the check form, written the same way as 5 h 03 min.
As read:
7 h 38 min
